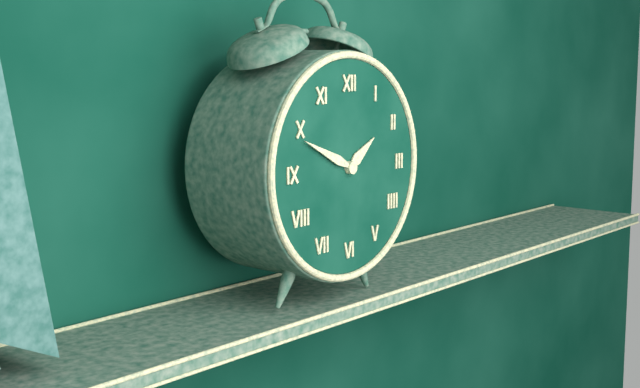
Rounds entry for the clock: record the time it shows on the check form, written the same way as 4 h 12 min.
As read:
1 h 49 min
